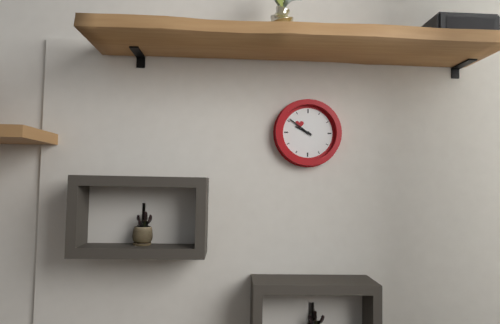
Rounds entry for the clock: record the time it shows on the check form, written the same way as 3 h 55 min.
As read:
9 h 51 min
